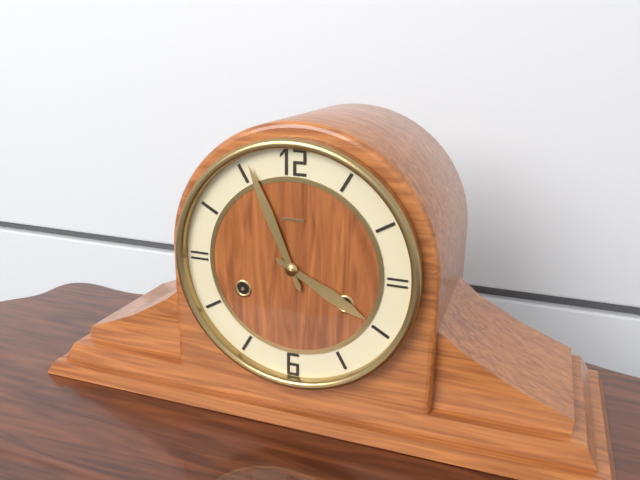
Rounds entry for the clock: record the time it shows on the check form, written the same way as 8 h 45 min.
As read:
3 h 56 min
